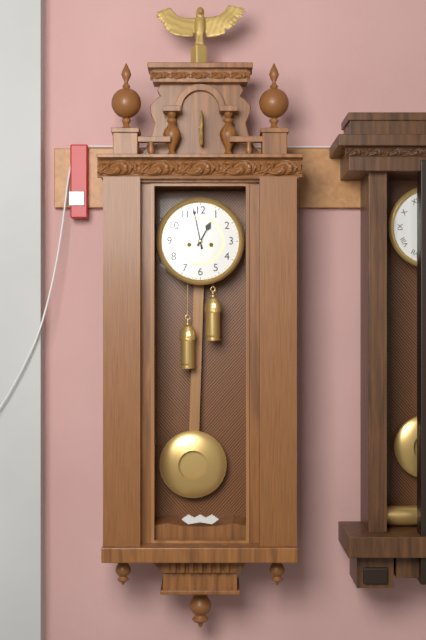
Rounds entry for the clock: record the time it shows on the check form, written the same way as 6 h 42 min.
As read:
12 h 58 min
